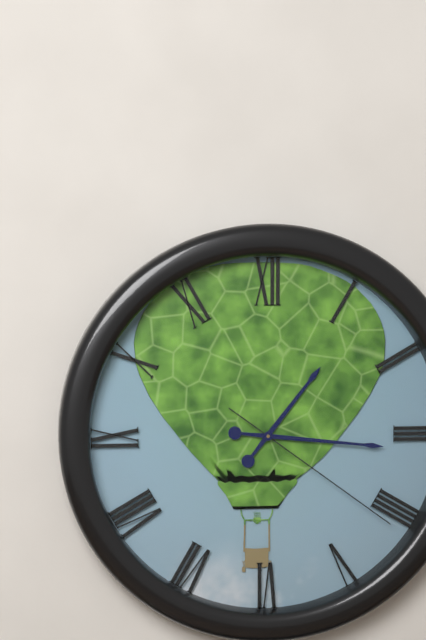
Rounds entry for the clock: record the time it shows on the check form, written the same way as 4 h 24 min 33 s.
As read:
1 h 16 min 21 s
